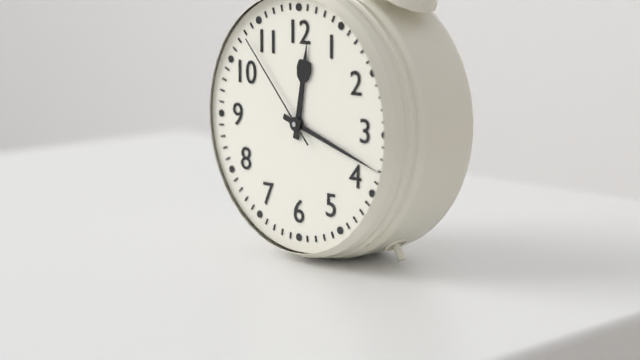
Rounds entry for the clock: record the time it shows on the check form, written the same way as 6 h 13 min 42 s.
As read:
12 h 18 min 53 s
